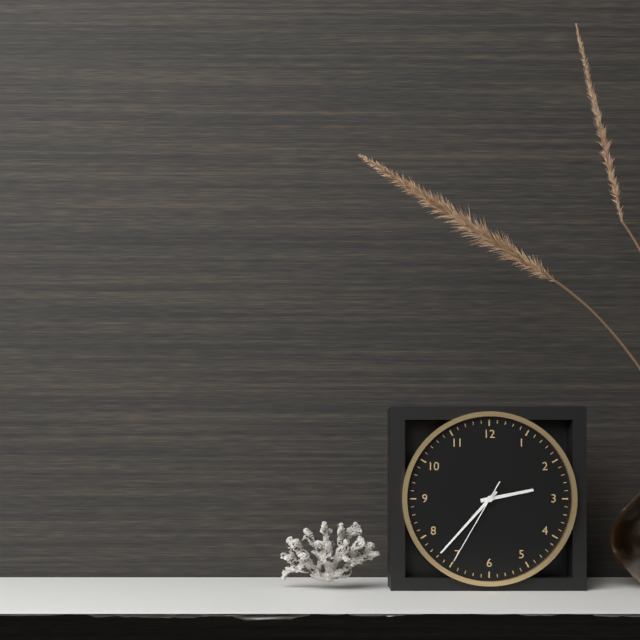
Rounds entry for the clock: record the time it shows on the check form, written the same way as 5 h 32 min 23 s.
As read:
2 h 37 min 35 s
